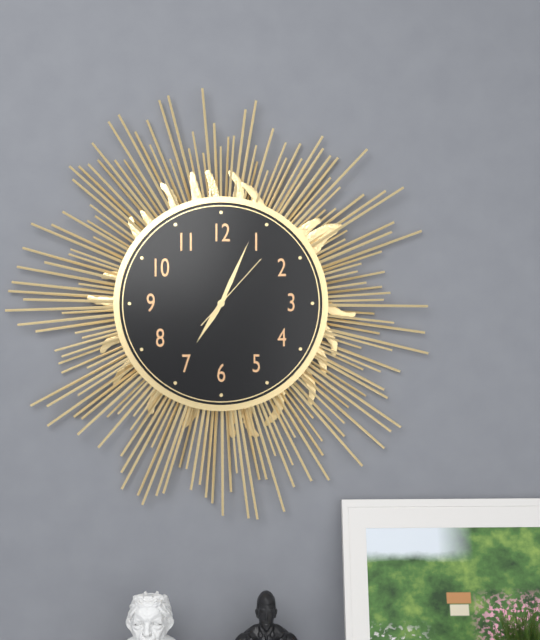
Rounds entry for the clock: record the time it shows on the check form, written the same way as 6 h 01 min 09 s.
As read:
7 h 04 min 07 s
